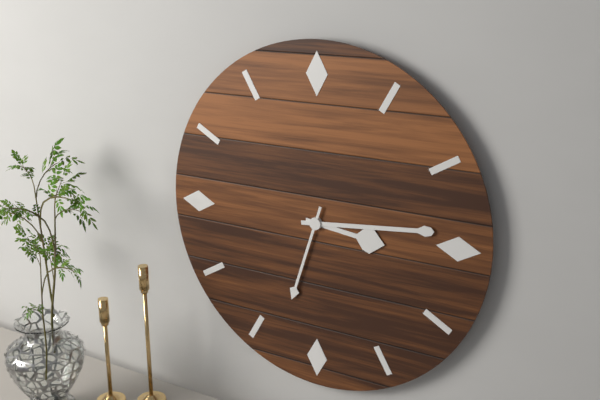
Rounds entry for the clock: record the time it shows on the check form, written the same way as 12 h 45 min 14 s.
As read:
3 h 14 min 33 s
